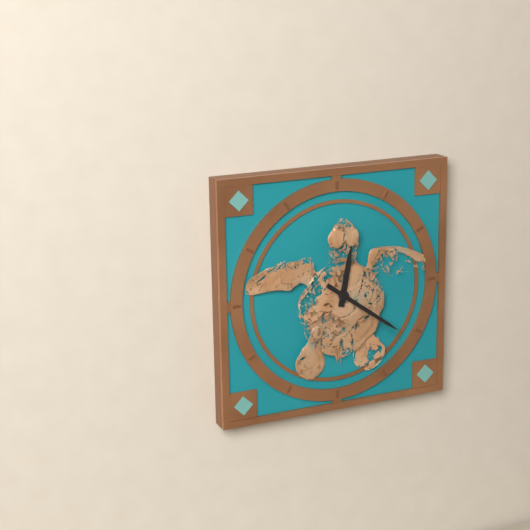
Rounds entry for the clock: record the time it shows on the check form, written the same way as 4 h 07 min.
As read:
12 h 21 min
